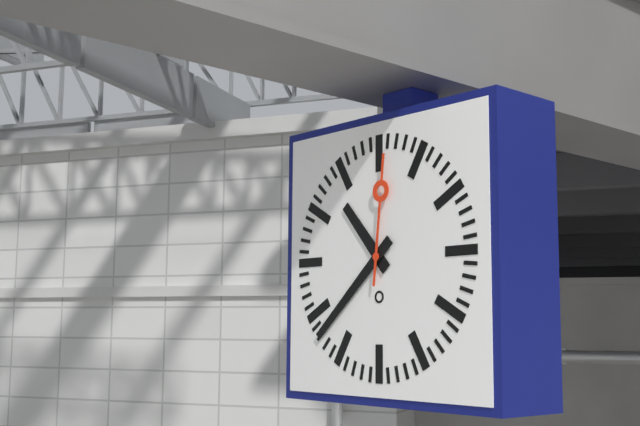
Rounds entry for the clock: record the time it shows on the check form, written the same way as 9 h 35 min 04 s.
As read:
10 h 38 min 01 s
